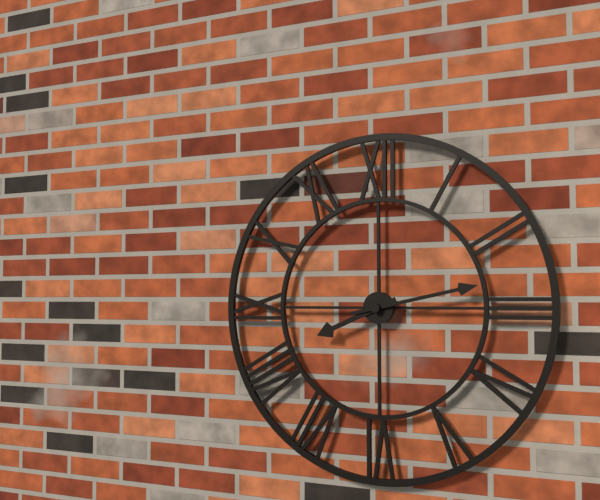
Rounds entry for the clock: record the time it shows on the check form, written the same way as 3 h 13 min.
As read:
8 h 13 min
